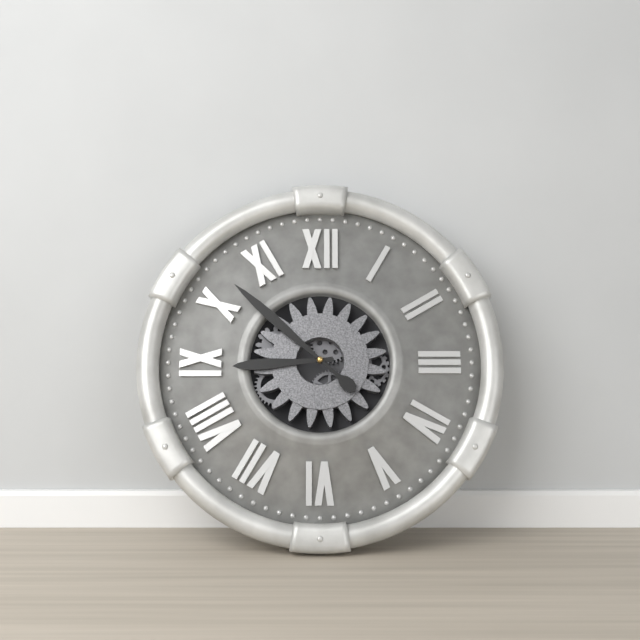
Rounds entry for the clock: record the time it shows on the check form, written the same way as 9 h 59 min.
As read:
8 h 52 min
